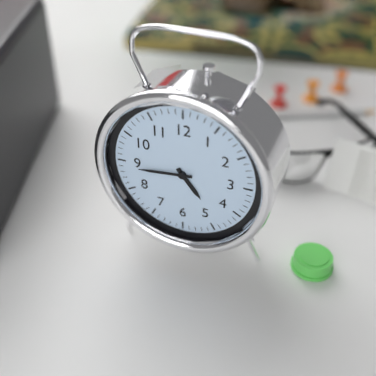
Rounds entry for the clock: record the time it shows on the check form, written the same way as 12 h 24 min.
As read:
4 h 44 min
